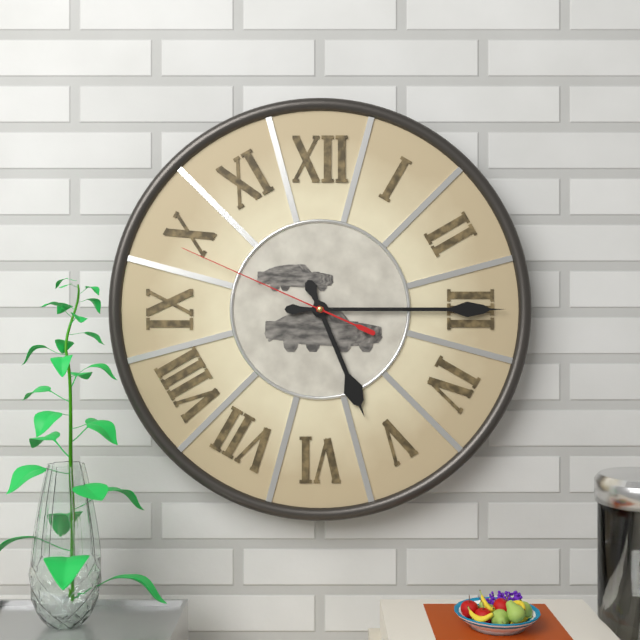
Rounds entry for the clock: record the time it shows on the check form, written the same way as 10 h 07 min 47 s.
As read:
5 h 15 min 49 s
